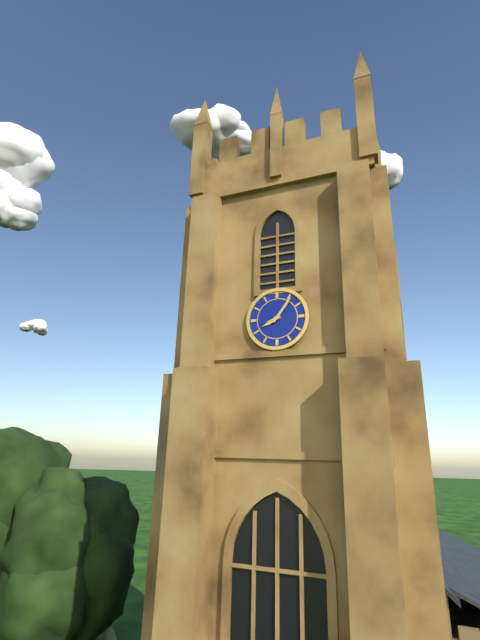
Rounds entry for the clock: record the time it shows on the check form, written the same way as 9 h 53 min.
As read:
8 h 06 min
